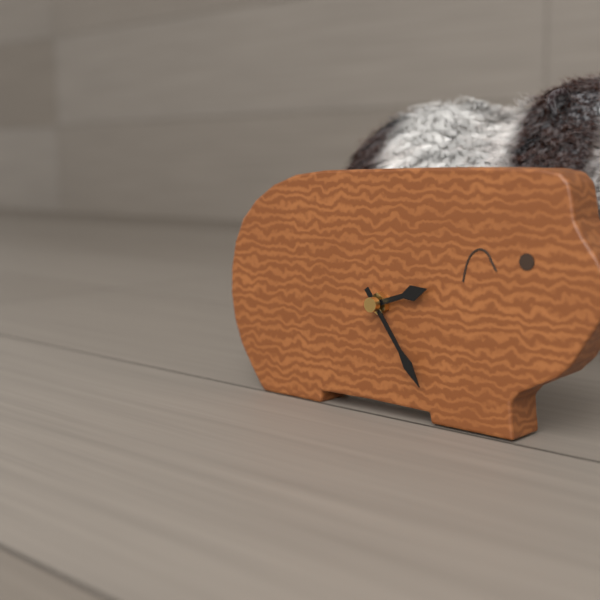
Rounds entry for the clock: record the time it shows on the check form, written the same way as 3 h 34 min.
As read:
2 h 24 min
